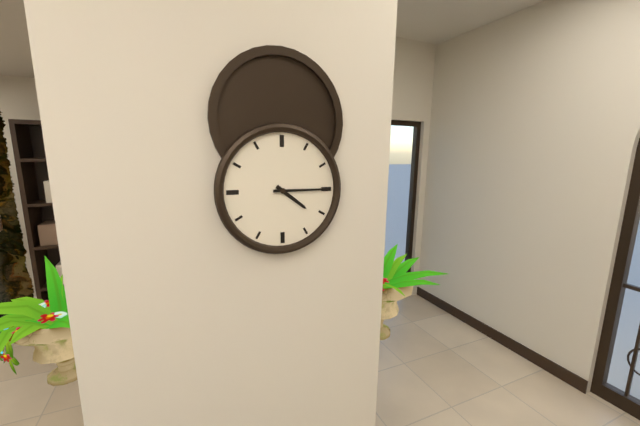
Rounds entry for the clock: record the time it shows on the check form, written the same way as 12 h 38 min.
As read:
4 h 15 min
